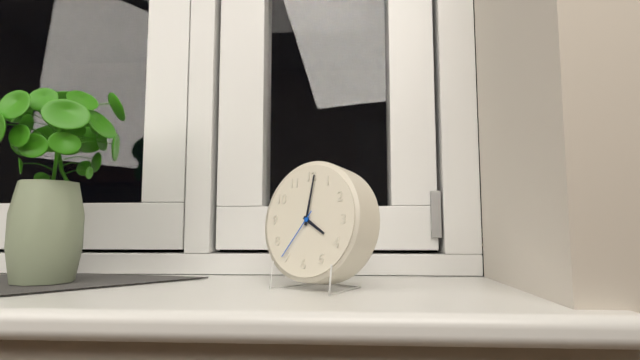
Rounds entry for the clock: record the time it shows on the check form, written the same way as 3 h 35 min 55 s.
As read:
4 h 01 min 36 s
